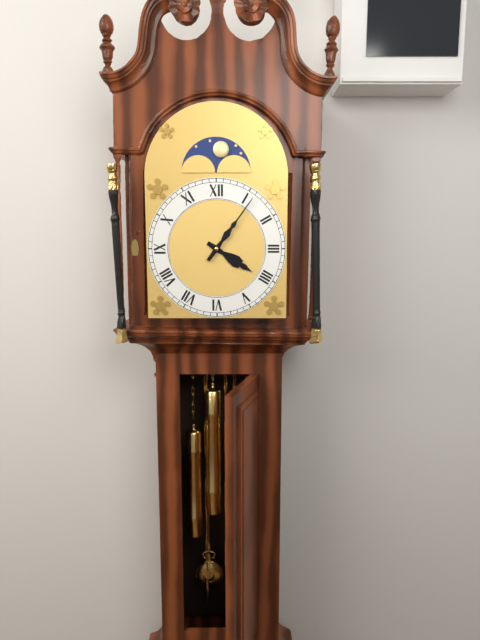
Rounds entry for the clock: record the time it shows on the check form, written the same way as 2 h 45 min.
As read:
4 h 06 min
